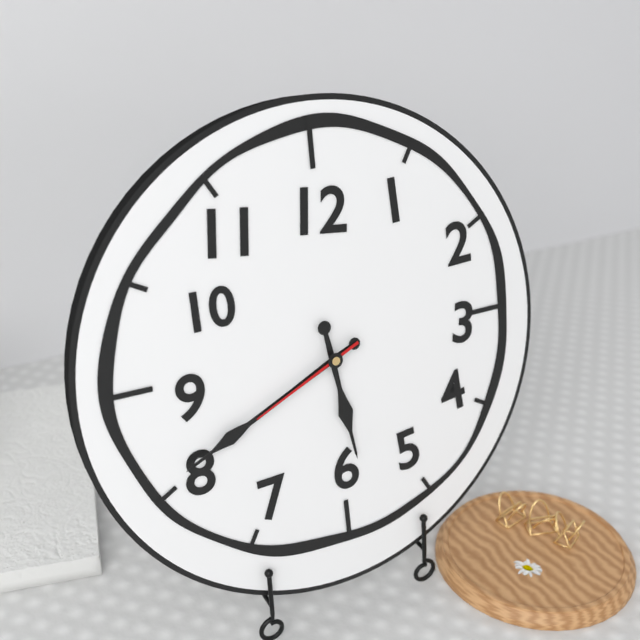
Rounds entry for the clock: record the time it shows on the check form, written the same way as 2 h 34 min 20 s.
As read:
5 h 41 min 41 s
